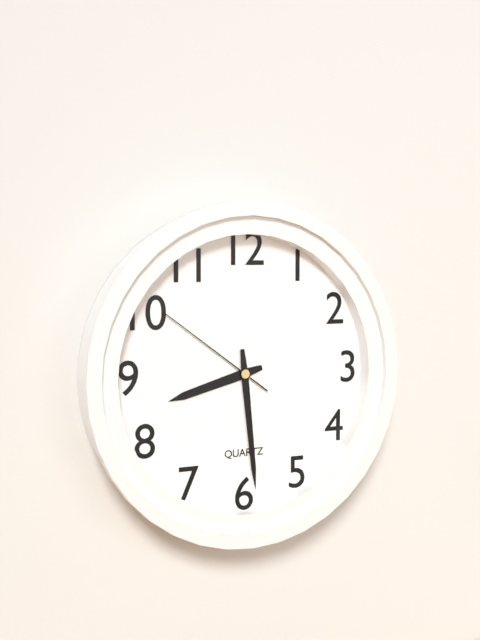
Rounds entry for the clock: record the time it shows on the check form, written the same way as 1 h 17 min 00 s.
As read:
8 h 29 min 51 s
